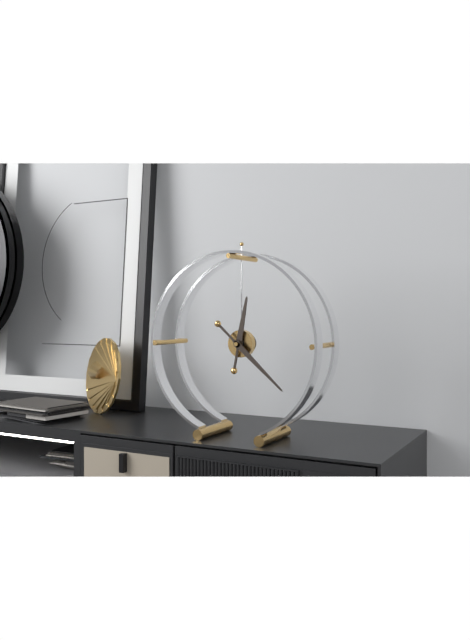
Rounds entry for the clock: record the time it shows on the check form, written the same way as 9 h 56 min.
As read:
12 h 22 min
